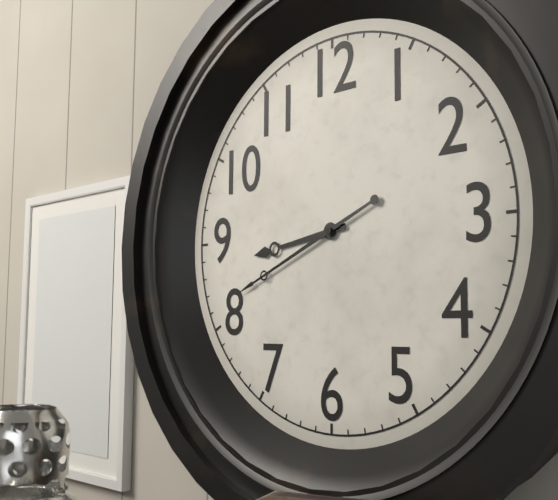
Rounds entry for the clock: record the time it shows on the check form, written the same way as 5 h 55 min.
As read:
8 h 41 min
